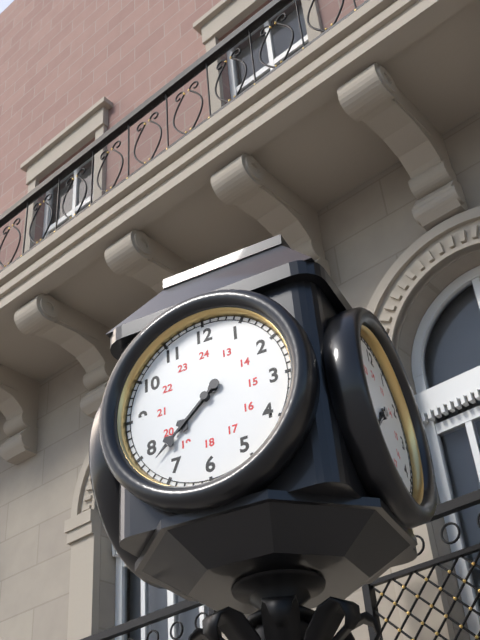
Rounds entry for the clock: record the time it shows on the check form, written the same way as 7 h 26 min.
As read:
7 h 38 min
